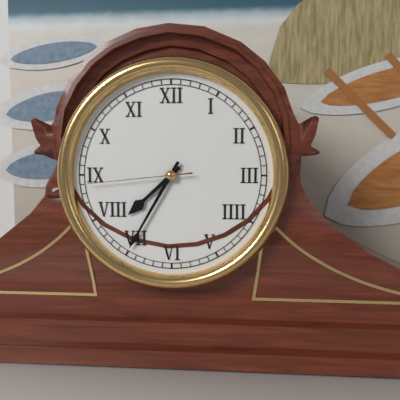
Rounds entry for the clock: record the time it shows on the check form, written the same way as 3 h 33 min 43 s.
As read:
7 h 35 min 44 s
